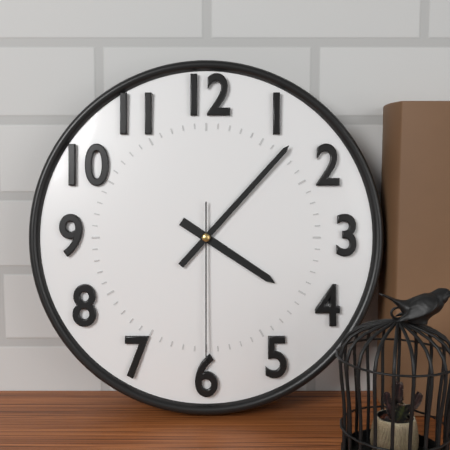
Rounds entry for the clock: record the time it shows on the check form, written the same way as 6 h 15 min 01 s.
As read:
4 h 07 min 30 s
